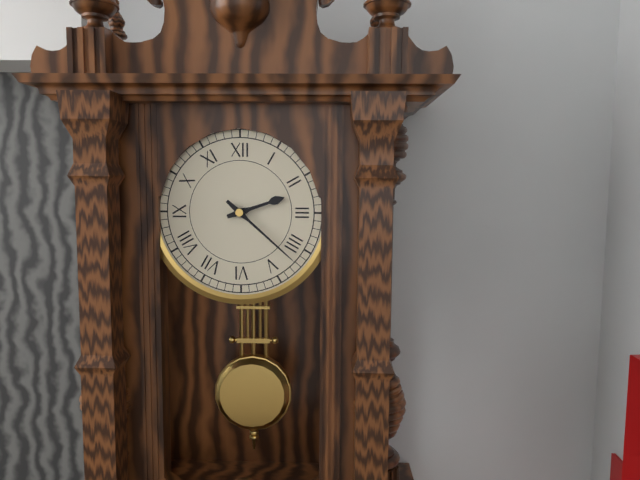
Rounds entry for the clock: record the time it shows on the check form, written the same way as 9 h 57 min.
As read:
2 h 22 min
